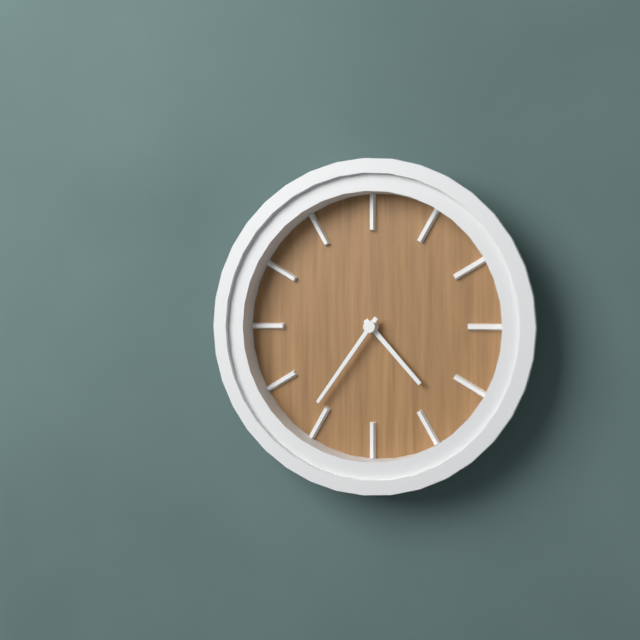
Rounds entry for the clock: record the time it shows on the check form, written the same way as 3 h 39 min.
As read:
4 h 36 min
